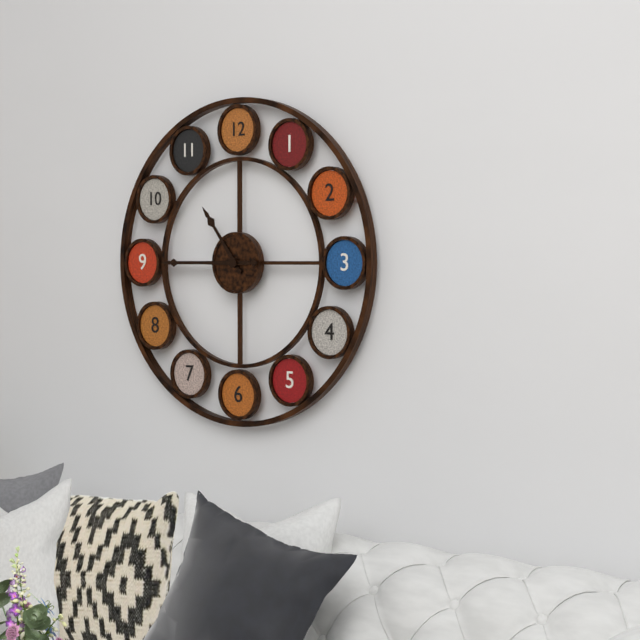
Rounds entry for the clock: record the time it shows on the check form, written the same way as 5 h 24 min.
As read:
10 h 45 min
